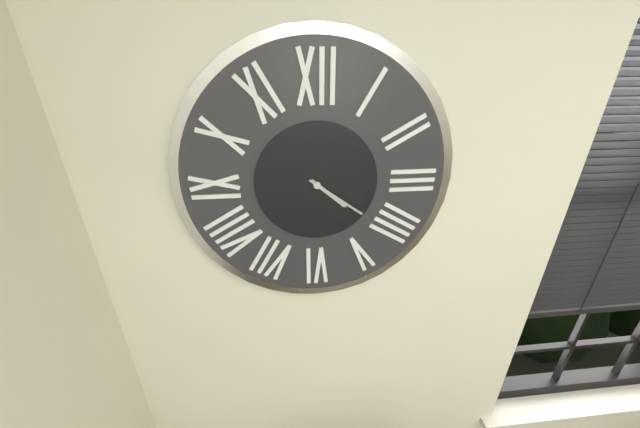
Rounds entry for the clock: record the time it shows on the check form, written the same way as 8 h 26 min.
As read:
4 h 21 min
